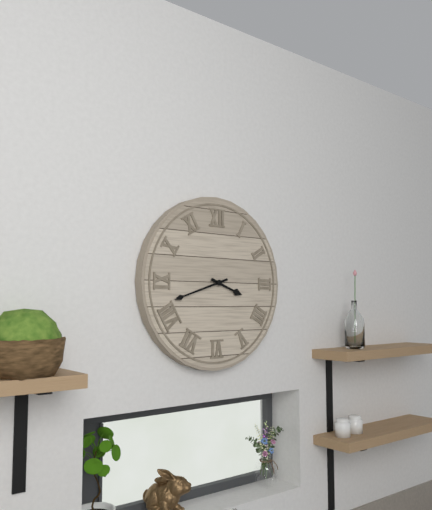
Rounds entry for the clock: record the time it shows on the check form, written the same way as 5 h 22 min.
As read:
3 h 42 min
